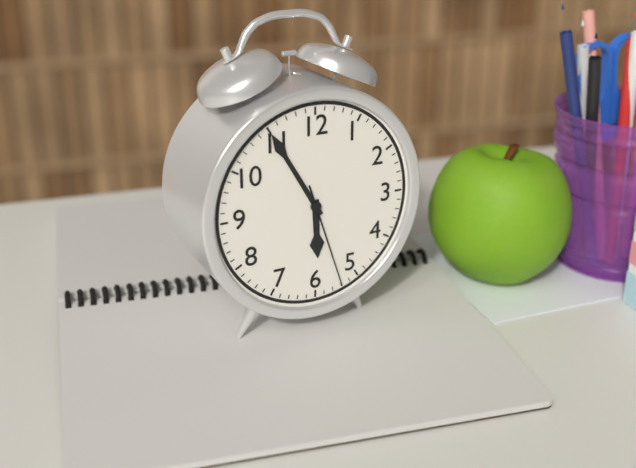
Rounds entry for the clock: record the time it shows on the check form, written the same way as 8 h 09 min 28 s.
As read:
5 h 55 min 27 s
